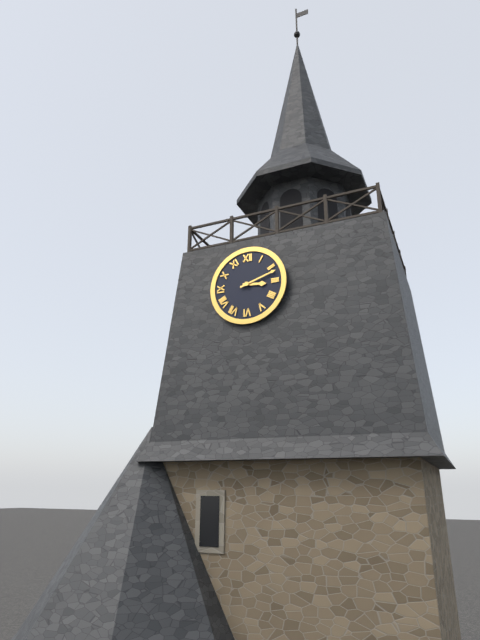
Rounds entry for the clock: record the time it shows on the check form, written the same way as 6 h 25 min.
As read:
3 h 12 min
